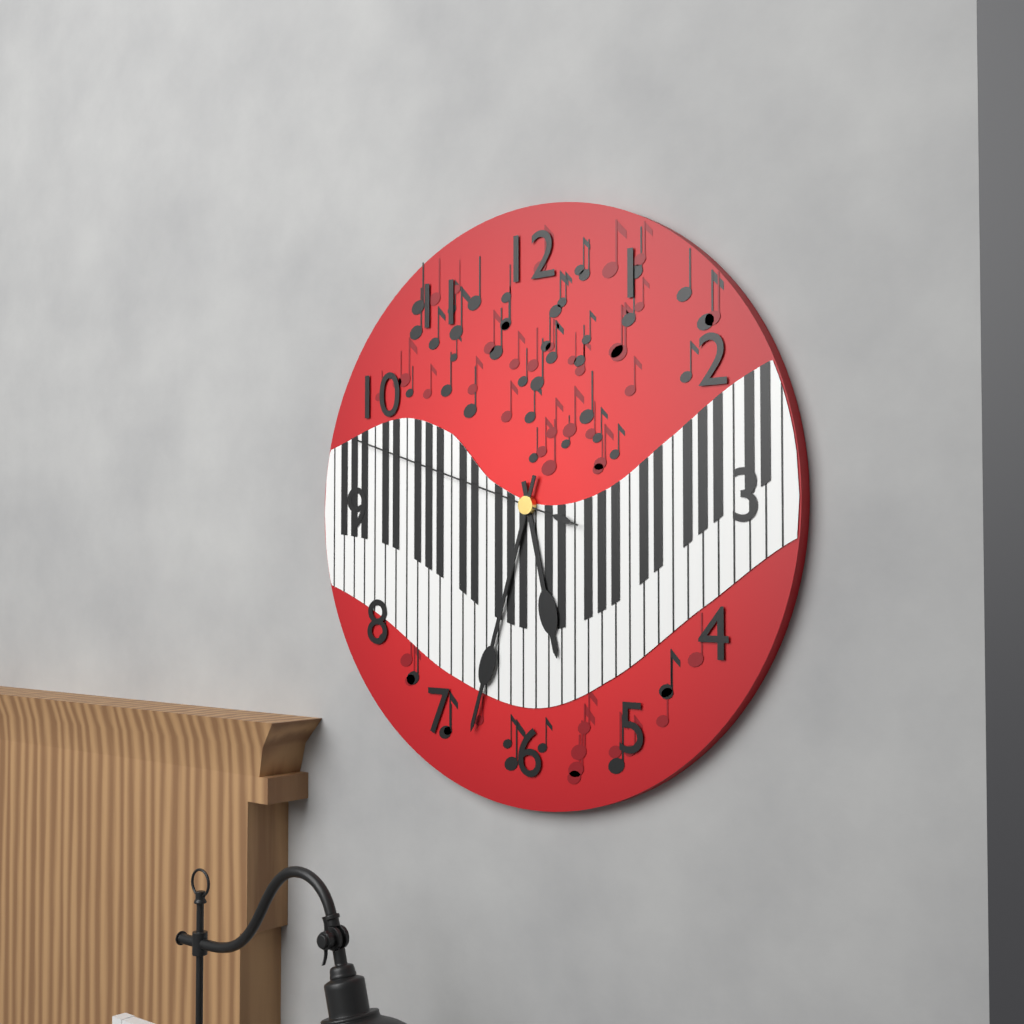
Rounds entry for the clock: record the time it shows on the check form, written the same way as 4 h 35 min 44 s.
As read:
5 h 33 min 48 s
